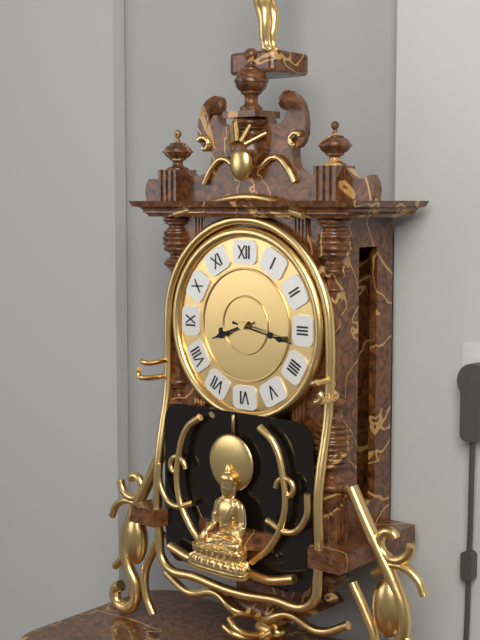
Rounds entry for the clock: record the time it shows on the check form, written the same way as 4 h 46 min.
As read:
8 h 17 min
